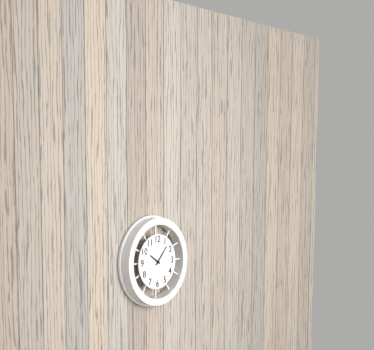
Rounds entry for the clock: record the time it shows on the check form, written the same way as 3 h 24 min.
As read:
10 h 07 min
